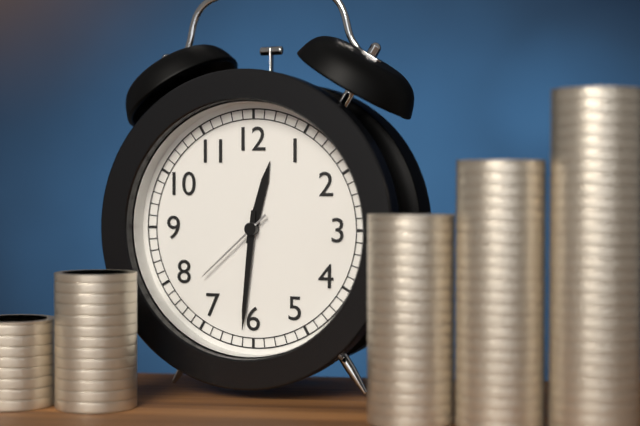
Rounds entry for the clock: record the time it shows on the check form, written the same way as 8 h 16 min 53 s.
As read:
12 h 31 min 38 s
